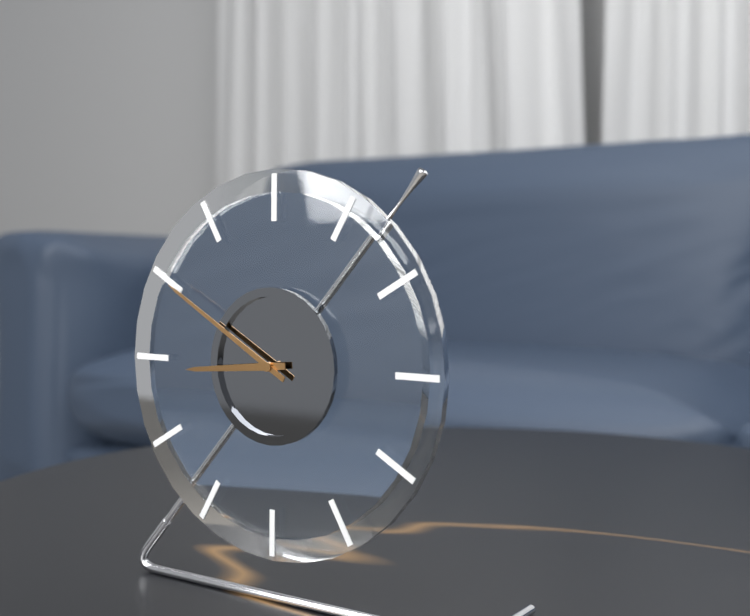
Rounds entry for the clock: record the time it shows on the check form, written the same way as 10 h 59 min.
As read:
8 h 50 min
